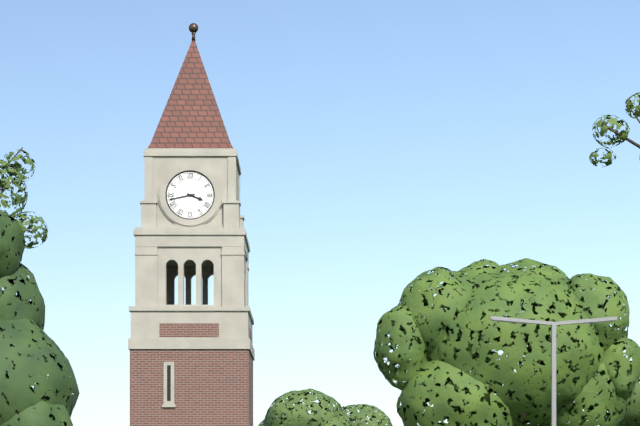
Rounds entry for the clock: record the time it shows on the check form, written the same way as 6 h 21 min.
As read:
3 h 43 min
